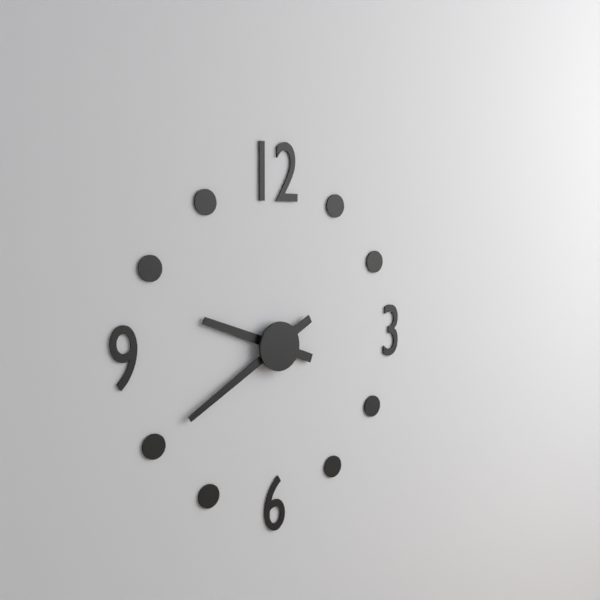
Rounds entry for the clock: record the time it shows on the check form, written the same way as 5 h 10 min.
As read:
9 h 40 min
